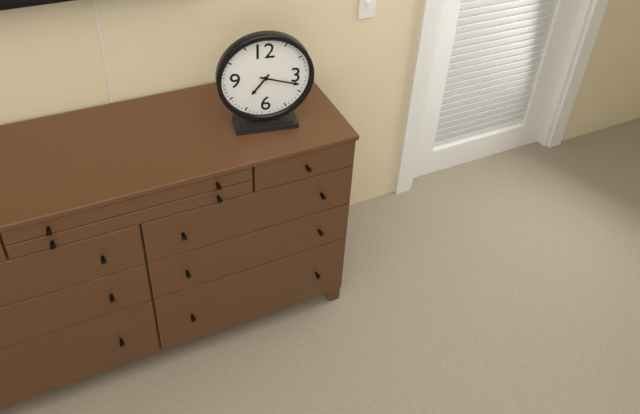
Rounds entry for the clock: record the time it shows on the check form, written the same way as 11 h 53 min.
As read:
7 h 18 min
